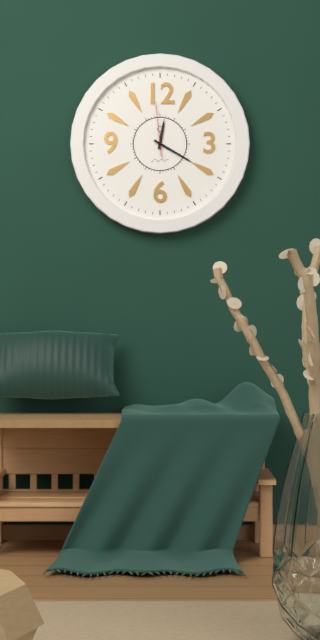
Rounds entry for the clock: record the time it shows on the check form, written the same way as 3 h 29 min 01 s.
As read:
12 h 20 min 59 s
